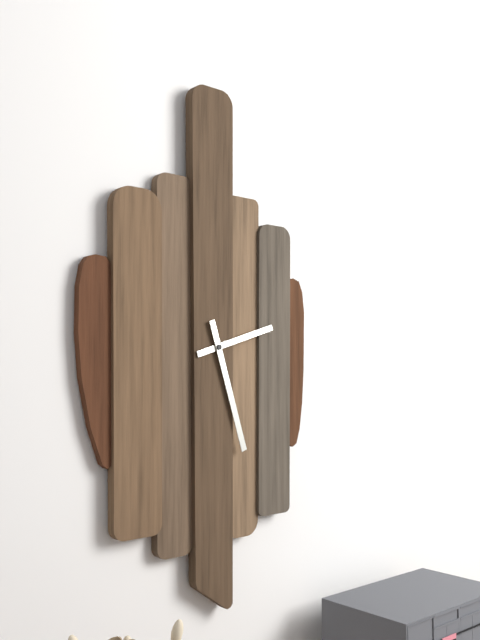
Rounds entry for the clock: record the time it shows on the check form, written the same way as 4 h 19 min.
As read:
2 h 27 min
